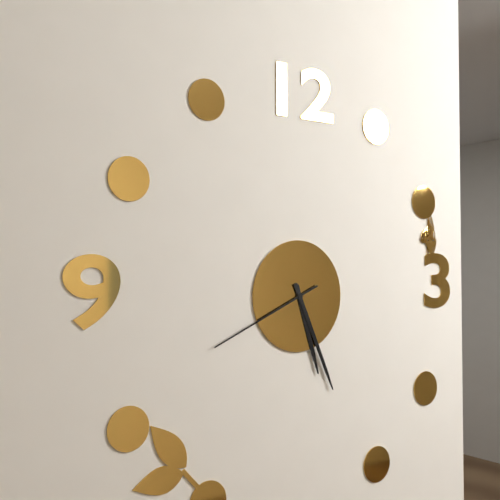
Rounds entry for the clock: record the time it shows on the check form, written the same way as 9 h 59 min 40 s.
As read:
5 h 26 min 41 s
